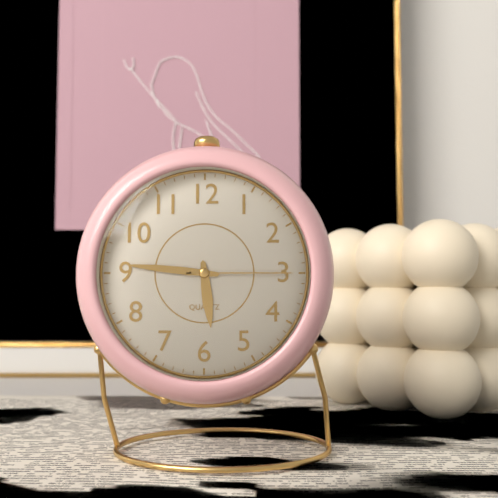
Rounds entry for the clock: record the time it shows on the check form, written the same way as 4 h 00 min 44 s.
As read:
5 h 46 min 15 s
